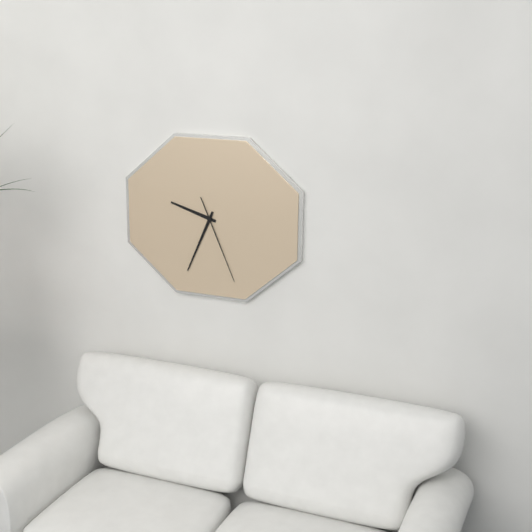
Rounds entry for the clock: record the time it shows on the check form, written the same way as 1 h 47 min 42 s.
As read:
9 h 34 min 26 s
